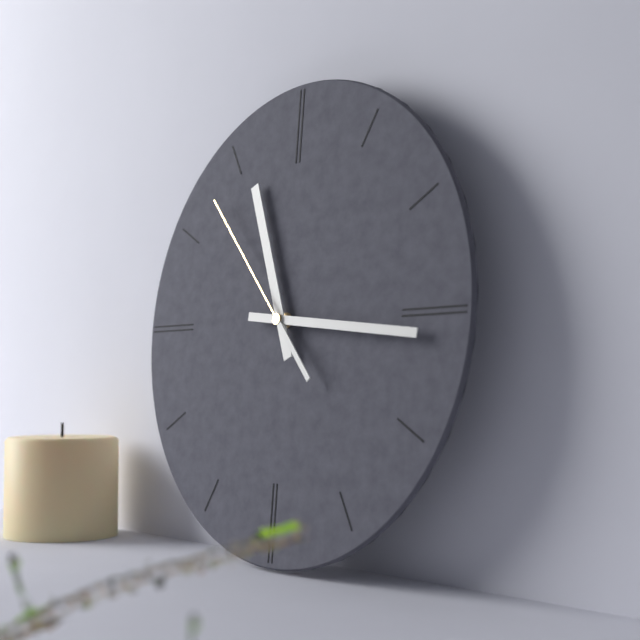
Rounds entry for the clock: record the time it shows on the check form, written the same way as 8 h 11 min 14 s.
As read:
11 h 16 min 53 s
